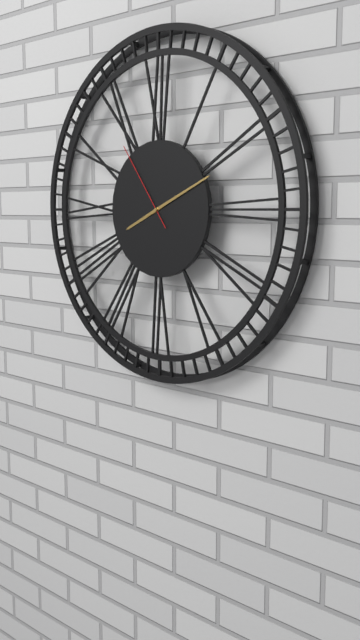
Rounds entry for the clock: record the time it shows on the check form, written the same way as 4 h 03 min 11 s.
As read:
8 h 11 min 54 s
